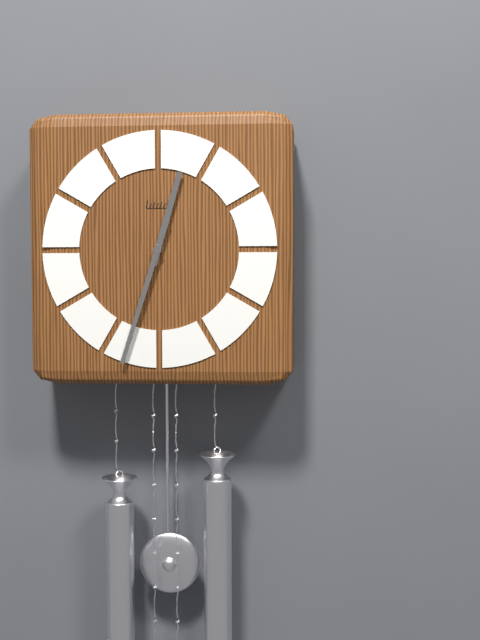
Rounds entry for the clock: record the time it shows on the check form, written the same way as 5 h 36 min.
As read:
12 h 33 min
